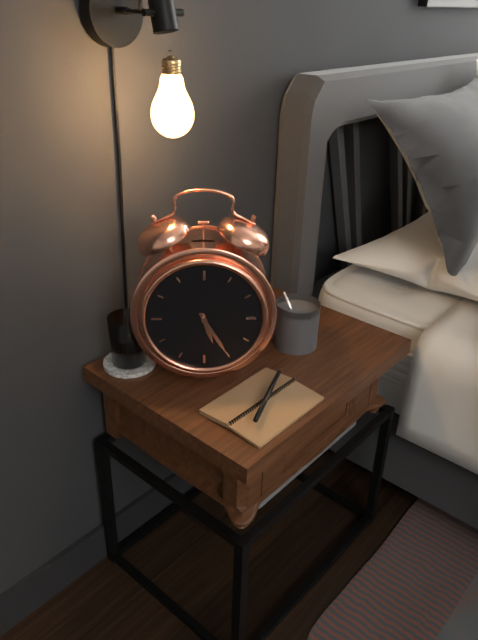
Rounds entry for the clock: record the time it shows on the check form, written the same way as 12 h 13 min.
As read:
5 h 25 min
